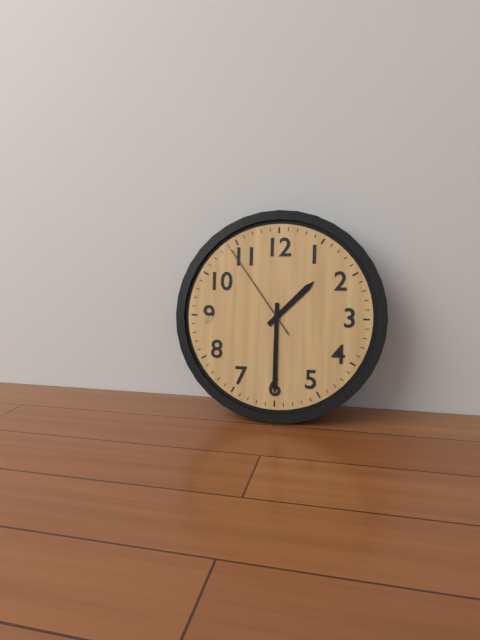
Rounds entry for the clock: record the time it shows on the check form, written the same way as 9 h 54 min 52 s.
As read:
1 h 30 min 54 s
